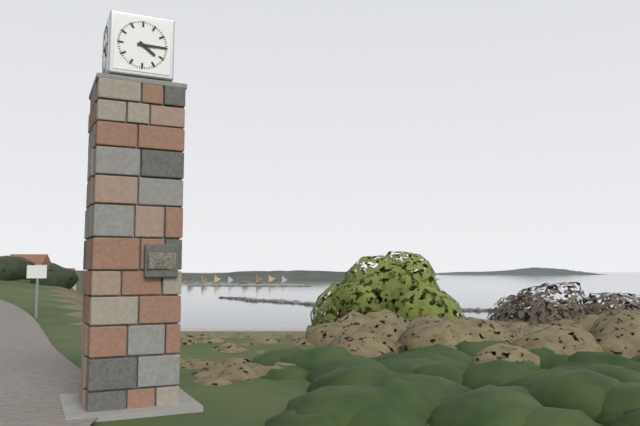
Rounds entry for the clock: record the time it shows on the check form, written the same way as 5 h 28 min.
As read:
4 h 15 min
